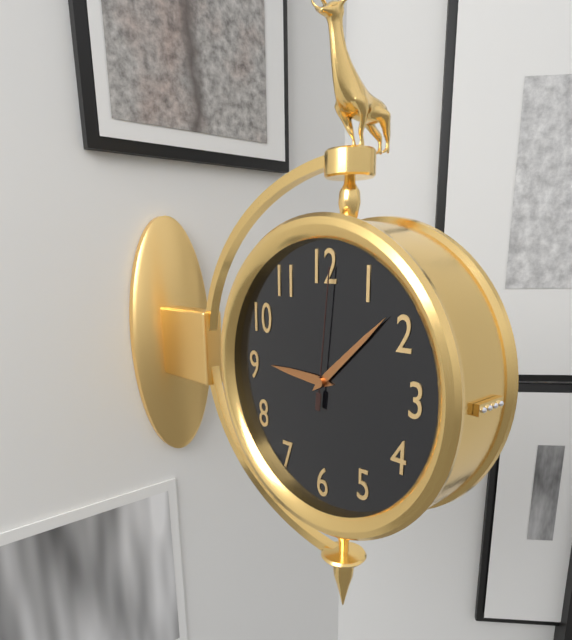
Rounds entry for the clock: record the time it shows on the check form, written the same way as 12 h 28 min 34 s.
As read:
9 h 08 min 01 s
